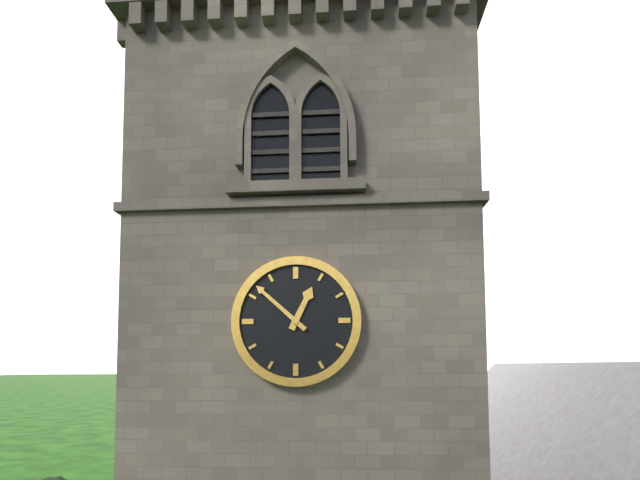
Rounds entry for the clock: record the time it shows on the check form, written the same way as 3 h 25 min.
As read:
12 h 52 min
